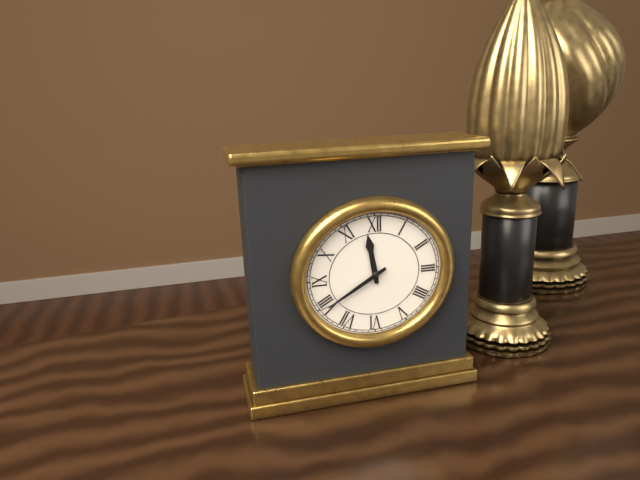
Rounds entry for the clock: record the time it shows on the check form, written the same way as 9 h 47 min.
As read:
11 h 40 min
